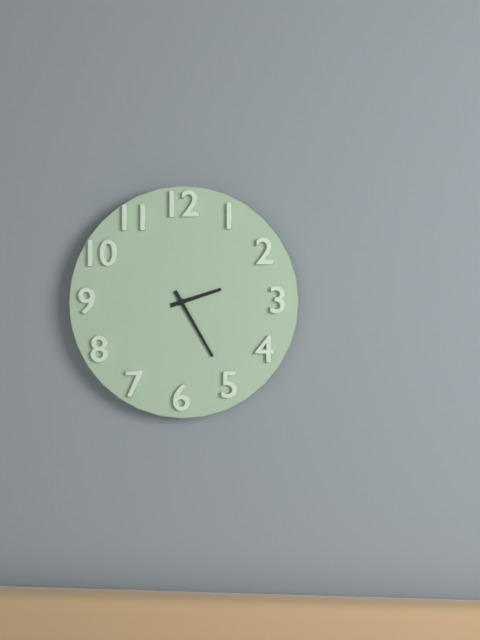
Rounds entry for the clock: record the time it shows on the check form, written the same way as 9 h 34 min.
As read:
2 h 25 min
